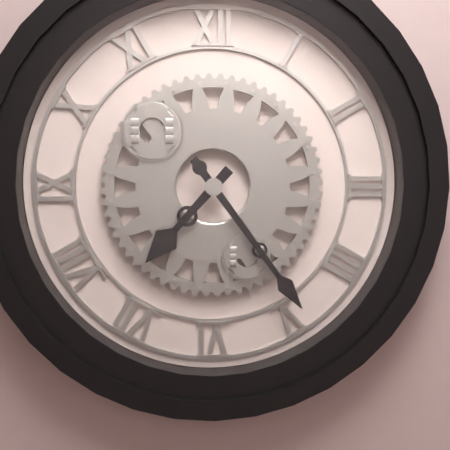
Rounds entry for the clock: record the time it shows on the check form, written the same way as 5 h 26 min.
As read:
7 h 24 min
